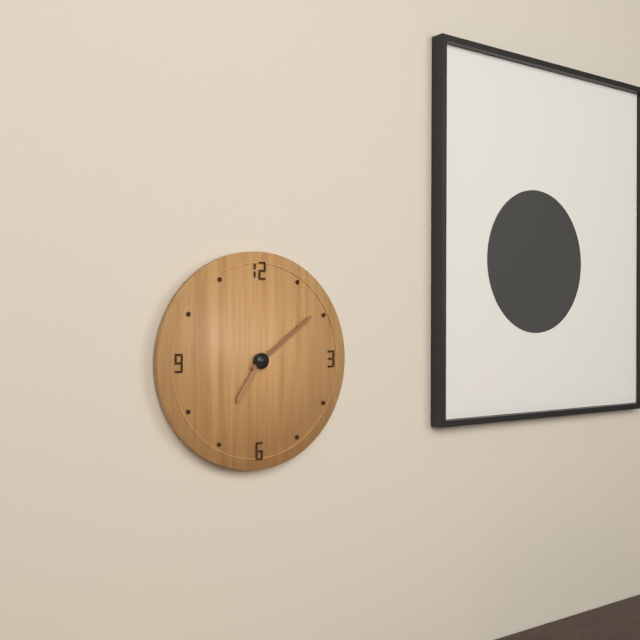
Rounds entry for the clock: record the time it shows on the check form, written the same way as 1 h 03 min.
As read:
7 h 09 min
